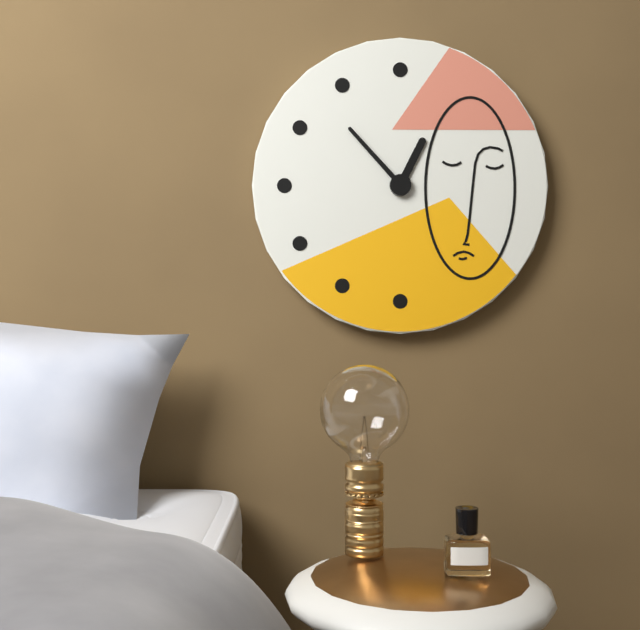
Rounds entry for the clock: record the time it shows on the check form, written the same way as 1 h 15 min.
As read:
12 h 53 min
